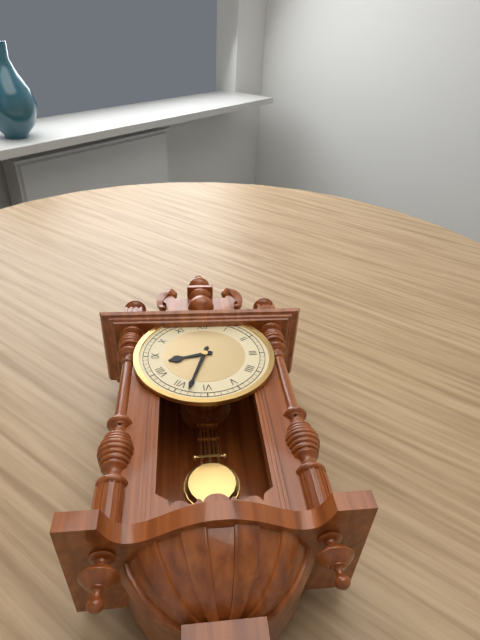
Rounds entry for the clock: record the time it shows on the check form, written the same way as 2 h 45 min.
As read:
8 h 33 min
